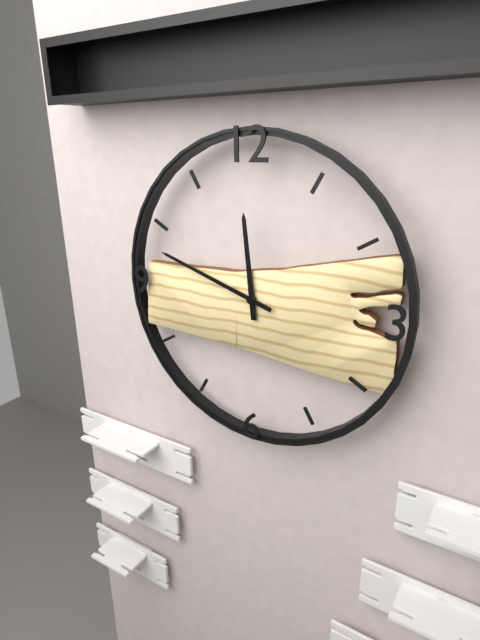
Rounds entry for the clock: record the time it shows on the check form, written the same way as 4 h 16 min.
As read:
11 h 48 min
